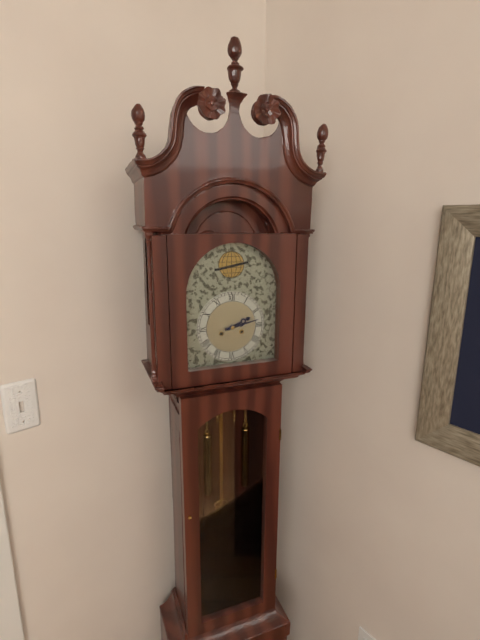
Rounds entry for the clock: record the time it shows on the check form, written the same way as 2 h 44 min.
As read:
2 h 13 min
